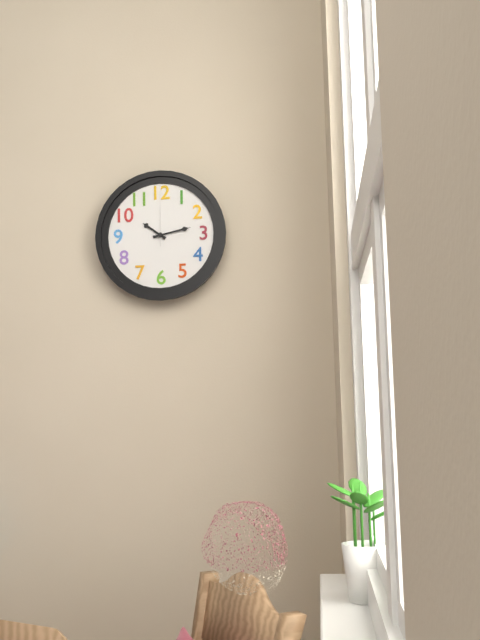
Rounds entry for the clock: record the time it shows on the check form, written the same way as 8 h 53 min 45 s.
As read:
10 h 13 min 00 s
